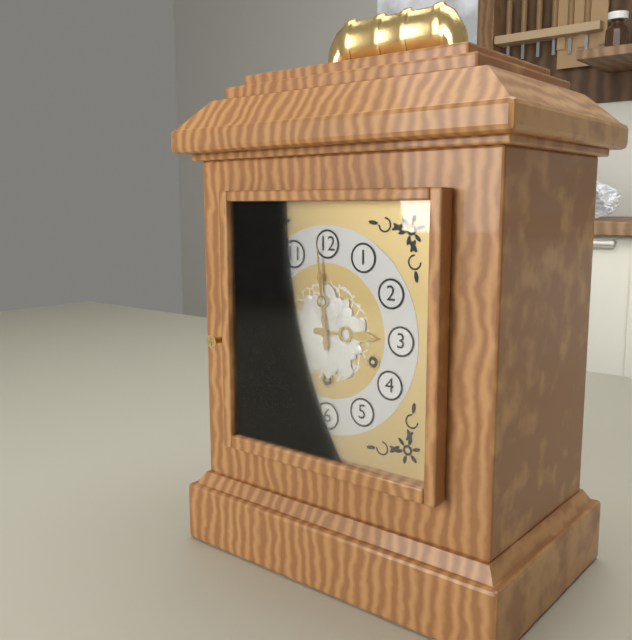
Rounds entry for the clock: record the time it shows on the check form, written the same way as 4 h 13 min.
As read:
2 h 59 min
